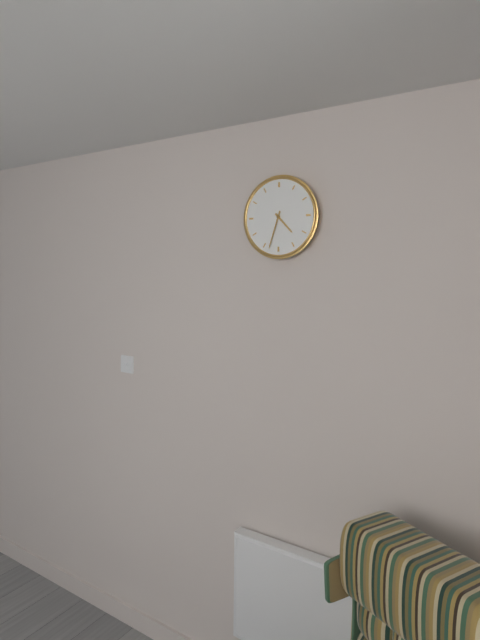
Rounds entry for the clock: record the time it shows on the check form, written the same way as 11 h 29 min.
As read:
4 h 33 min
